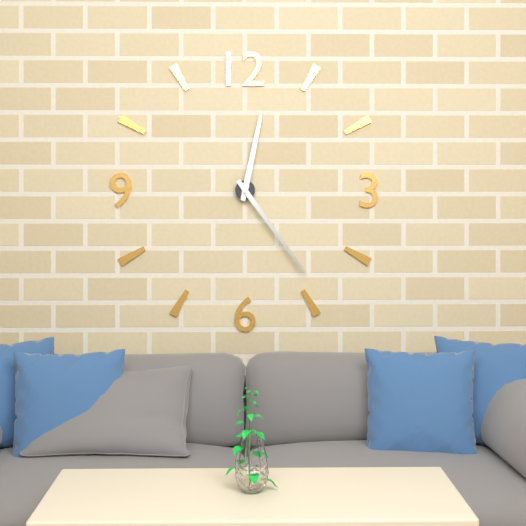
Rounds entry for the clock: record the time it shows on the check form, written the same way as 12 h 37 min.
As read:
12 h 24 min
